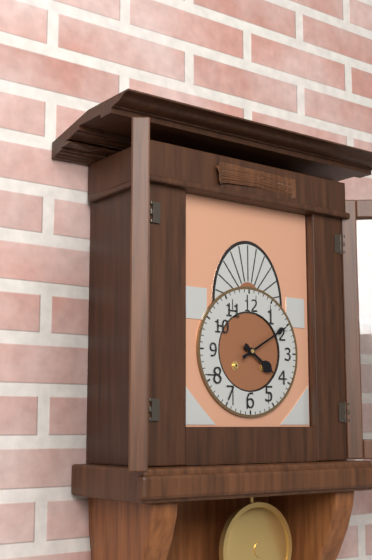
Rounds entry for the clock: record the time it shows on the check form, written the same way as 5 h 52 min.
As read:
4 h 10 min
